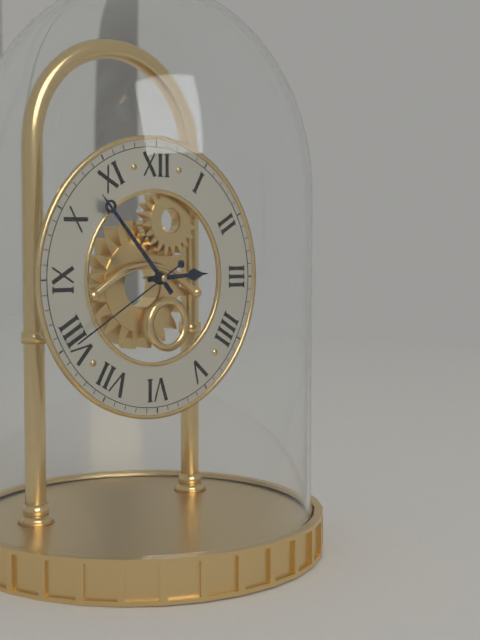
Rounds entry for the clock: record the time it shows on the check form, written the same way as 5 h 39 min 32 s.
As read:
2 h 53 min 40 s
